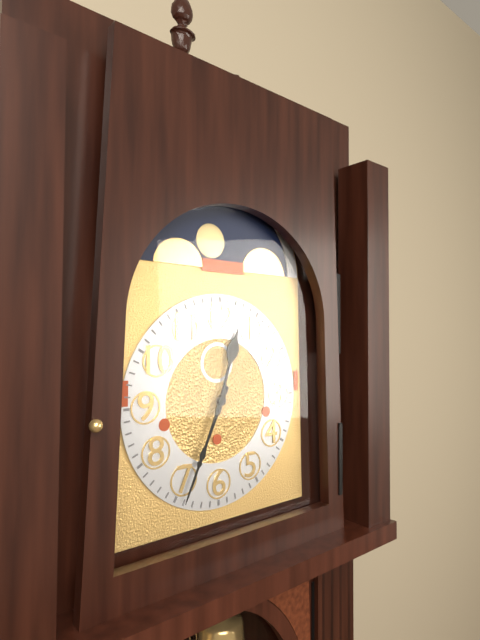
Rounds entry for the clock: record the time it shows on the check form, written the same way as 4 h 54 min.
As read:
12 h 34 min
